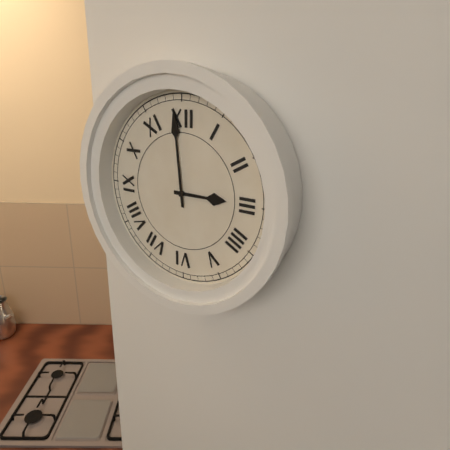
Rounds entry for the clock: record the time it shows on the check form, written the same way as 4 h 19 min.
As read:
2 h 59 min
